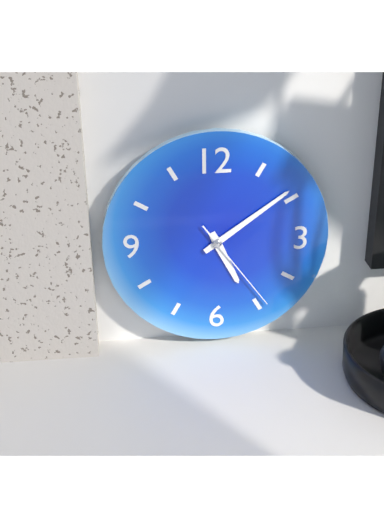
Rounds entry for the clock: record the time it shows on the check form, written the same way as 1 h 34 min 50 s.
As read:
5 h 09 min 24 s
